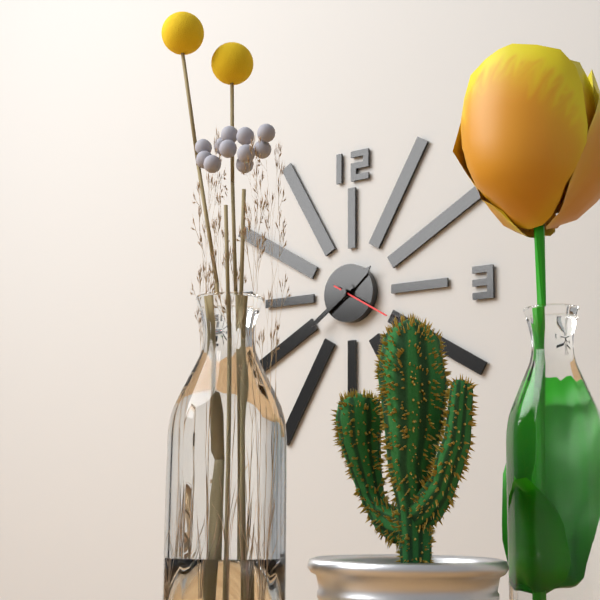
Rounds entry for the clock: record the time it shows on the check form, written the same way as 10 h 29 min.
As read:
1 h 39 min
